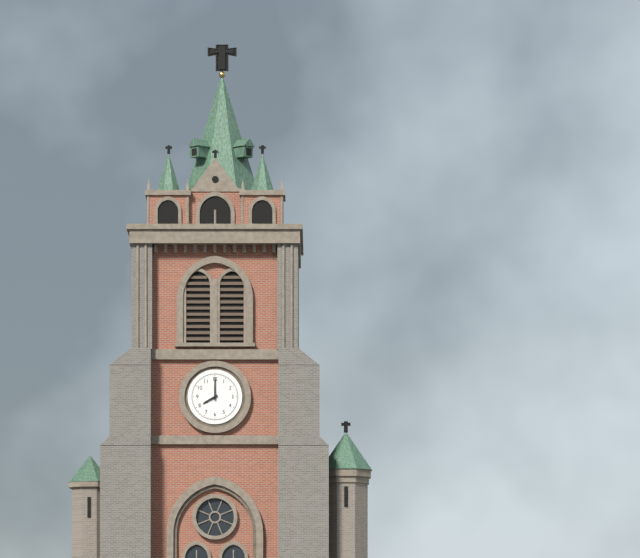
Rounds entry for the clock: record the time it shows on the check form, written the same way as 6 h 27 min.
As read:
8 h 00 min
